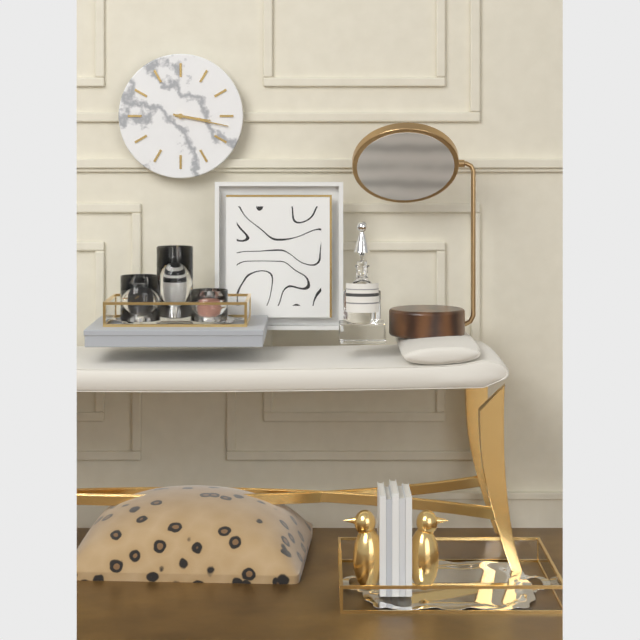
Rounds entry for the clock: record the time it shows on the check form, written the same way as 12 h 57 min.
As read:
3 h 17 min
